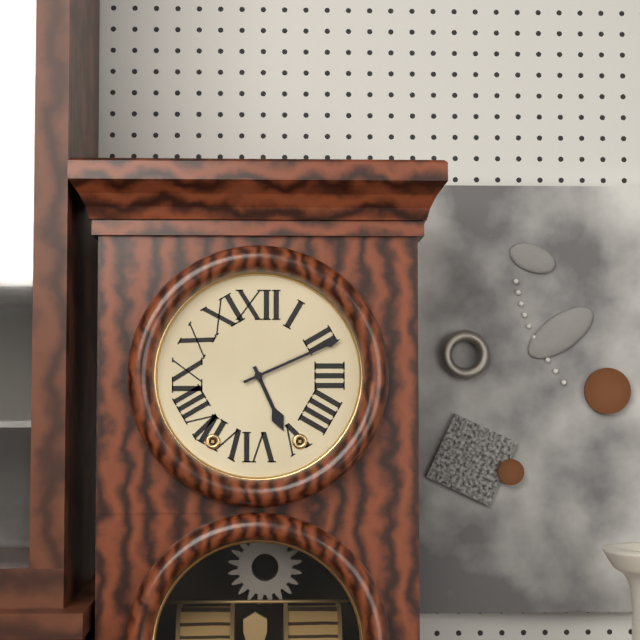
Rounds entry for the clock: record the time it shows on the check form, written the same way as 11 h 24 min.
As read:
5 h 11 min
